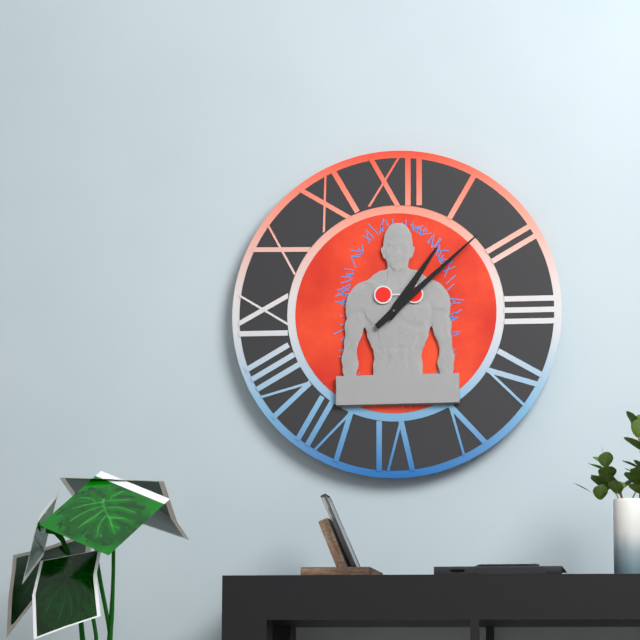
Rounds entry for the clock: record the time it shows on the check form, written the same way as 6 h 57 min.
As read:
1 h 08 min
